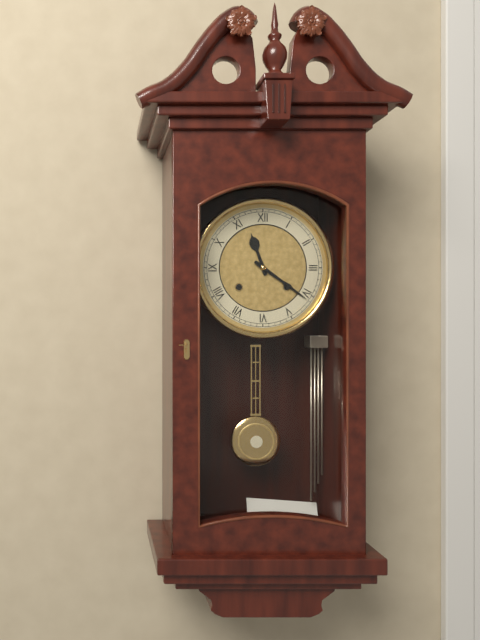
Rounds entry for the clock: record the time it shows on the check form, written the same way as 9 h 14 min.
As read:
11 h 21 min
